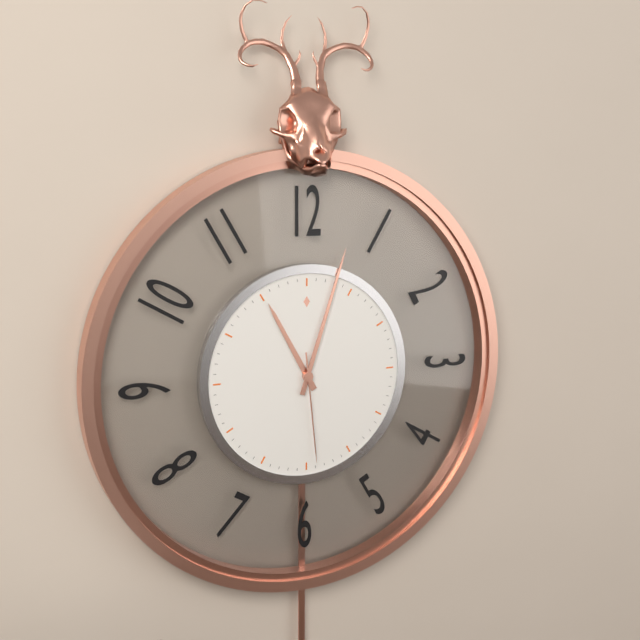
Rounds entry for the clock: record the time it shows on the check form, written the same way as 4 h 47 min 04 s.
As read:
11 h 03 min 29 s
